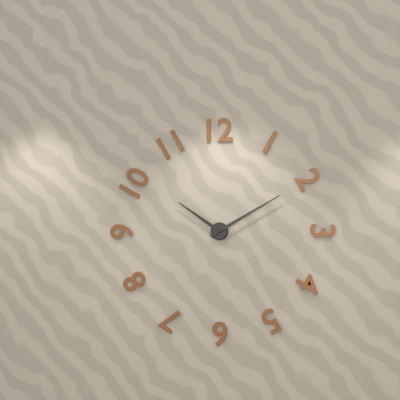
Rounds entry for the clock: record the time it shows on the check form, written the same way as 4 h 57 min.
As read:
10 h 10 min
